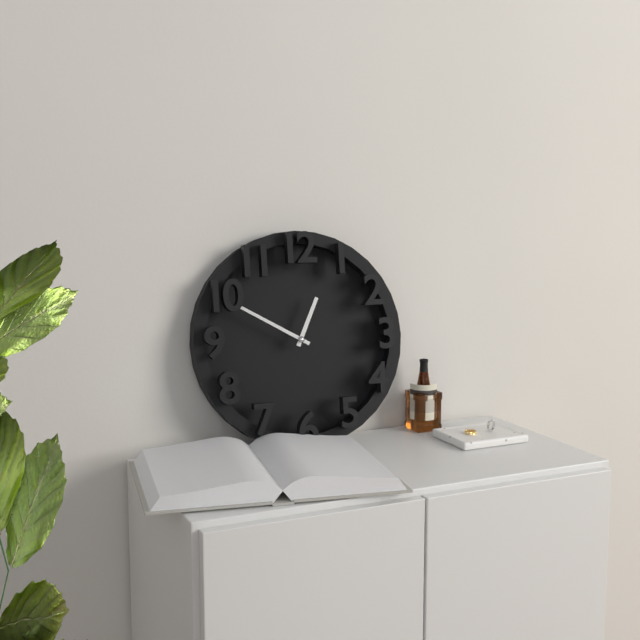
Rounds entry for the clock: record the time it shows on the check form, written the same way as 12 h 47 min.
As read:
12 h 50 min
